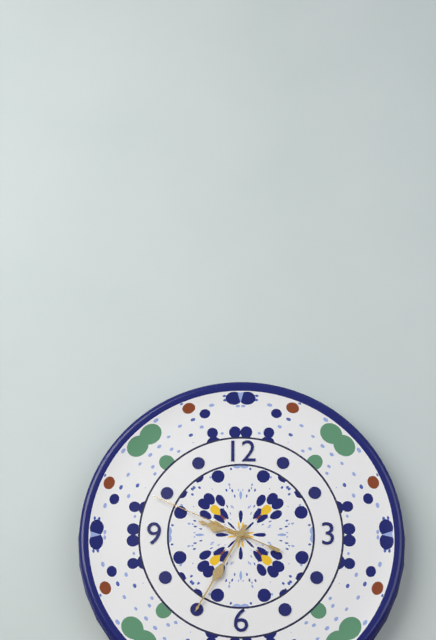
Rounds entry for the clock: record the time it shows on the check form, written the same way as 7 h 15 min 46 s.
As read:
9 h 35 min 49 s
